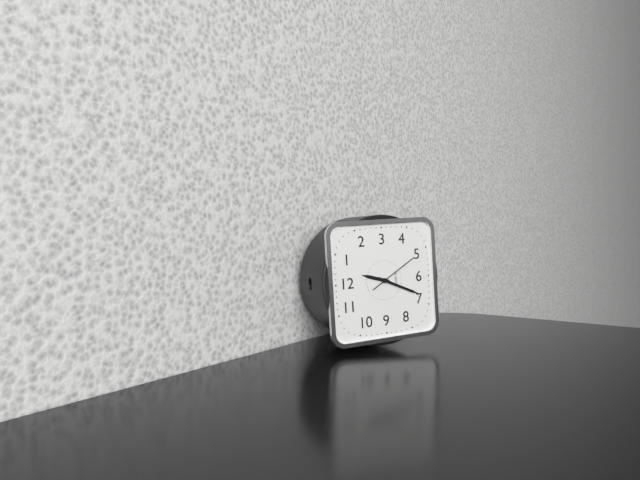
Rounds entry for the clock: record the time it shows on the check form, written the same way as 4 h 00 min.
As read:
12 h 34 min
